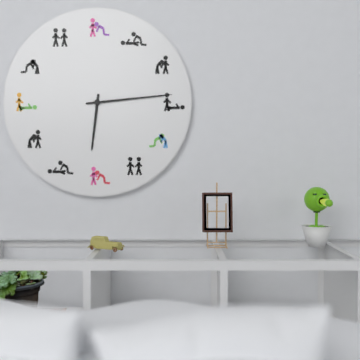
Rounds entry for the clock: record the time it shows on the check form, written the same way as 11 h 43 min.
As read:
6 h 14 min
